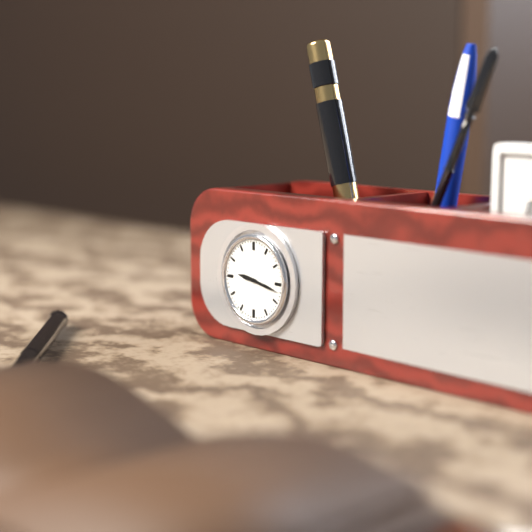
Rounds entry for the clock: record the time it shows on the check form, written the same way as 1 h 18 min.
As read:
9 h 17 min
